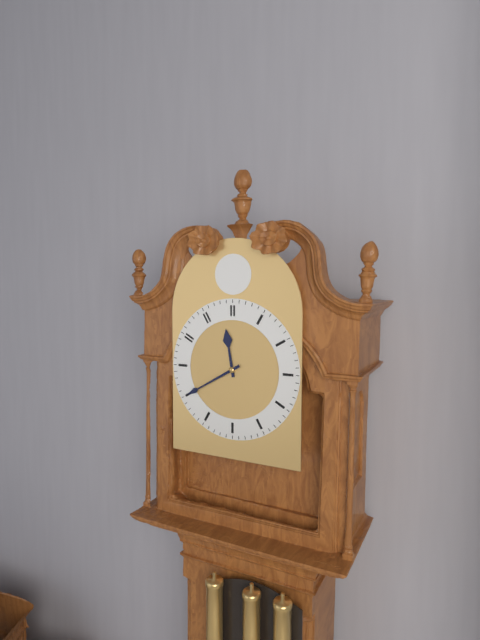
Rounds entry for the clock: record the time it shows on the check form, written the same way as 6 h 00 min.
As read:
11 h 40 min
